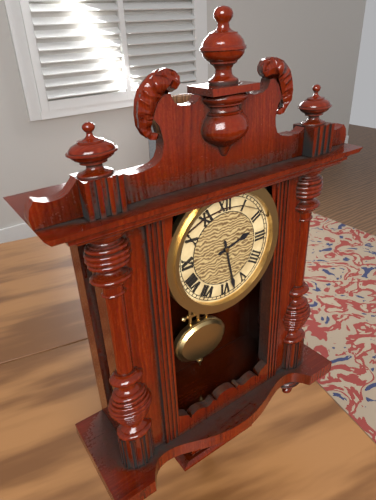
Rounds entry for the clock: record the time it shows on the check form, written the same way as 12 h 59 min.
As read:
2 h 28 min
